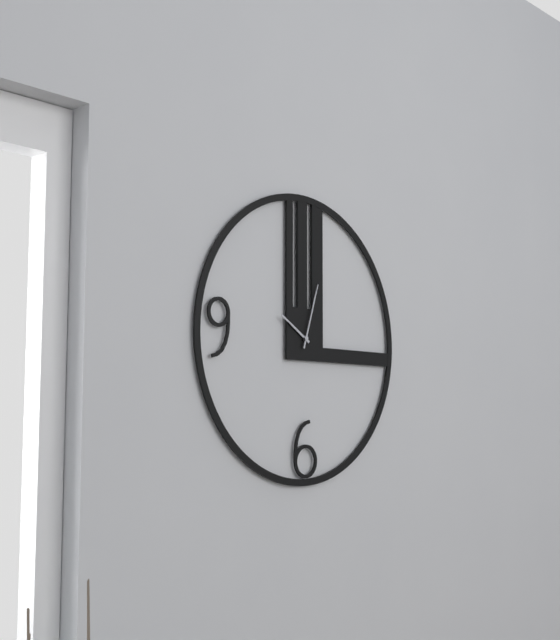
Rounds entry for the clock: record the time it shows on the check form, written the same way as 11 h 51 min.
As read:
10 h 03 min
